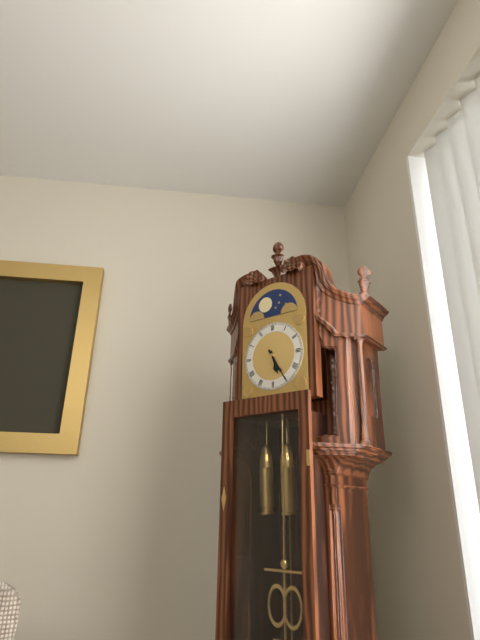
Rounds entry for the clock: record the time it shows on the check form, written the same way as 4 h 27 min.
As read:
5 h 25 min
